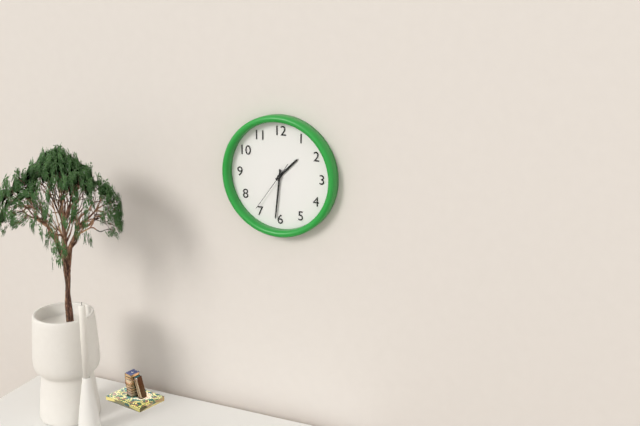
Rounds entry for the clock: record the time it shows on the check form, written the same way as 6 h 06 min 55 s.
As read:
1 h 31 min 36 s
